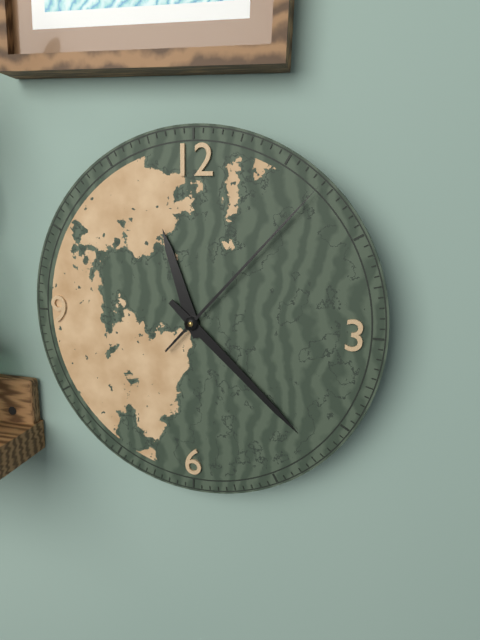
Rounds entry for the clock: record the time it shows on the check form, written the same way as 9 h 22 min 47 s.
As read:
11 h 22 min 07 s
